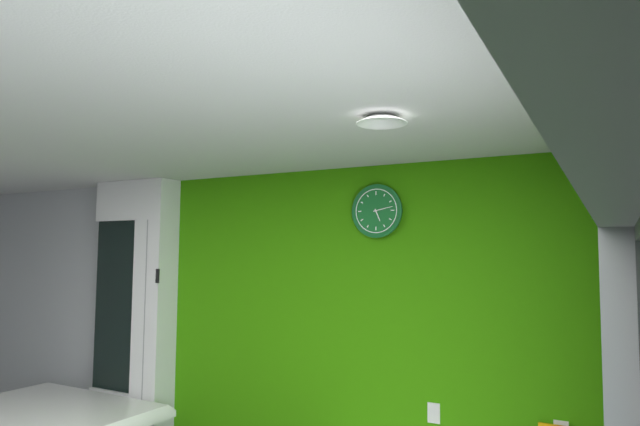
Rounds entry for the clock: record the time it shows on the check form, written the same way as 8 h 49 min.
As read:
5 h 13 min
